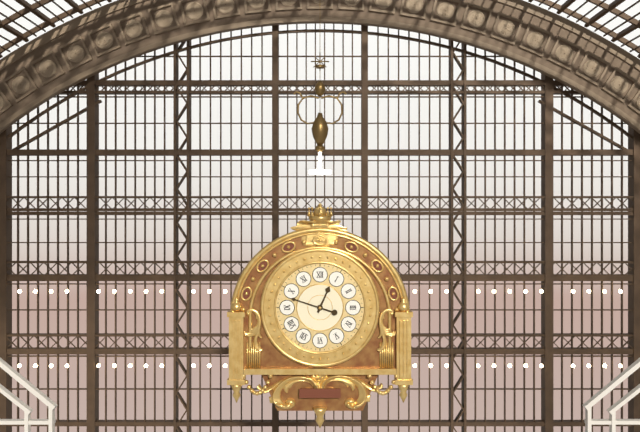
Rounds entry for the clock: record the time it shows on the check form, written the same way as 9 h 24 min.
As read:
12 h 48 min
